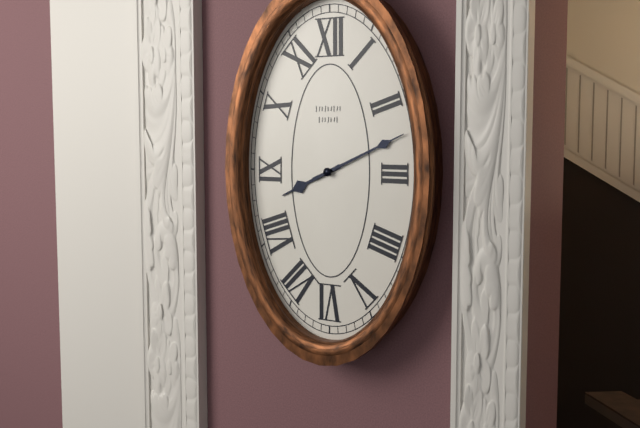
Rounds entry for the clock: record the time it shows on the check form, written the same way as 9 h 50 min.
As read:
8 h 11 min
